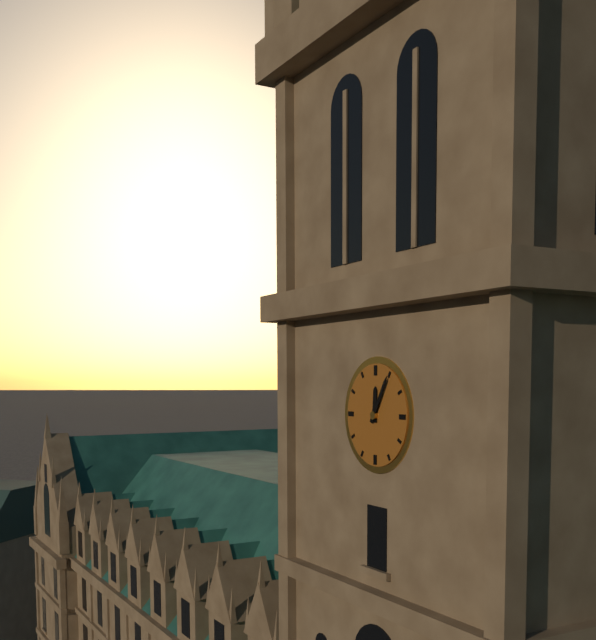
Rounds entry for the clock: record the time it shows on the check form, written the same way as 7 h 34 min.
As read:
12 h 05 min
